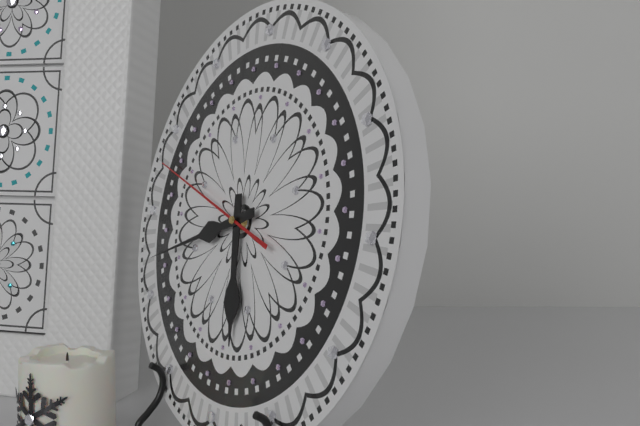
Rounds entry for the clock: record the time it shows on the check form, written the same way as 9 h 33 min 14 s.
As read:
5 h 42 min 48 s
